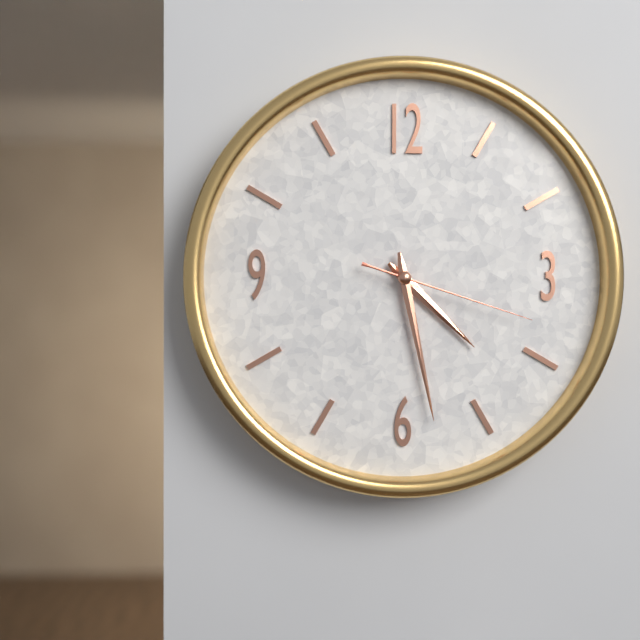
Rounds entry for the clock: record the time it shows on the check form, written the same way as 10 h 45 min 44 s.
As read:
4 h 28 min 18 s
